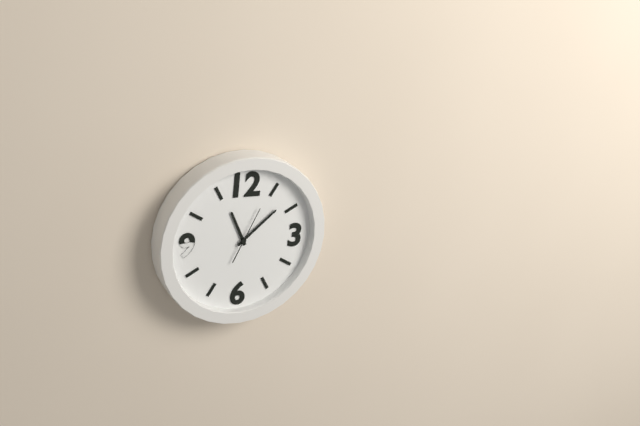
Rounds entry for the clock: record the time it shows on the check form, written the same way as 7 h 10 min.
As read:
11 h 08 min
